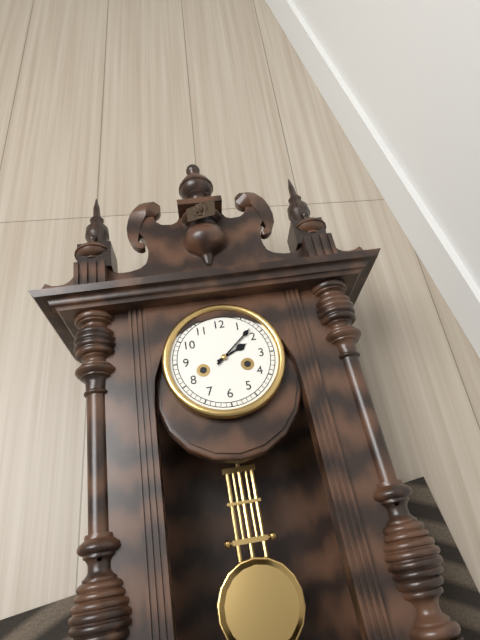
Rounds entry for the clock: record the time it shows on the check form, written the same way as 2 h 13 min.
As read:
2 h 08 min
